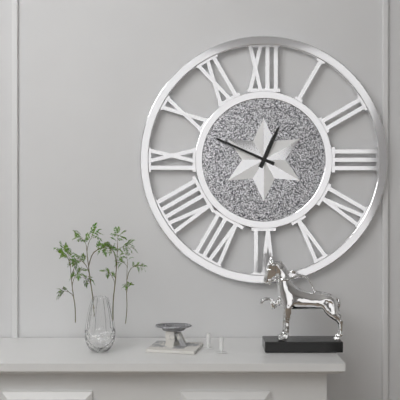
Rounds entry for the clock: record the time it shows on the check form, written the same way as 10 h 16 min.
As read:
12 h 49 min
